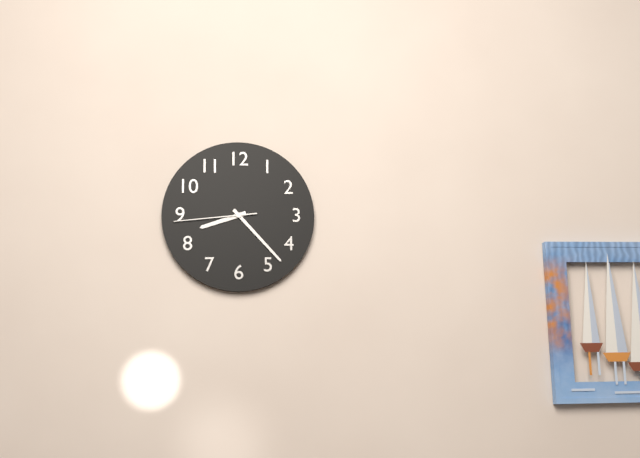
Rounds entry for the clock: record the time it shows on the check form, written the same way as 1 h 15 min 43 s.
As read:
8 h 23 min 44 s
